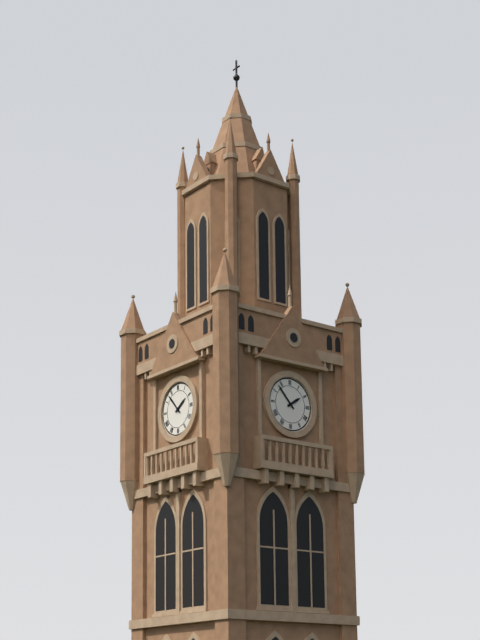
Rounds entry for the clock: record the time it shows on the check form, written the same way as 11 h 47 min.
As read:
1 h 53 min
